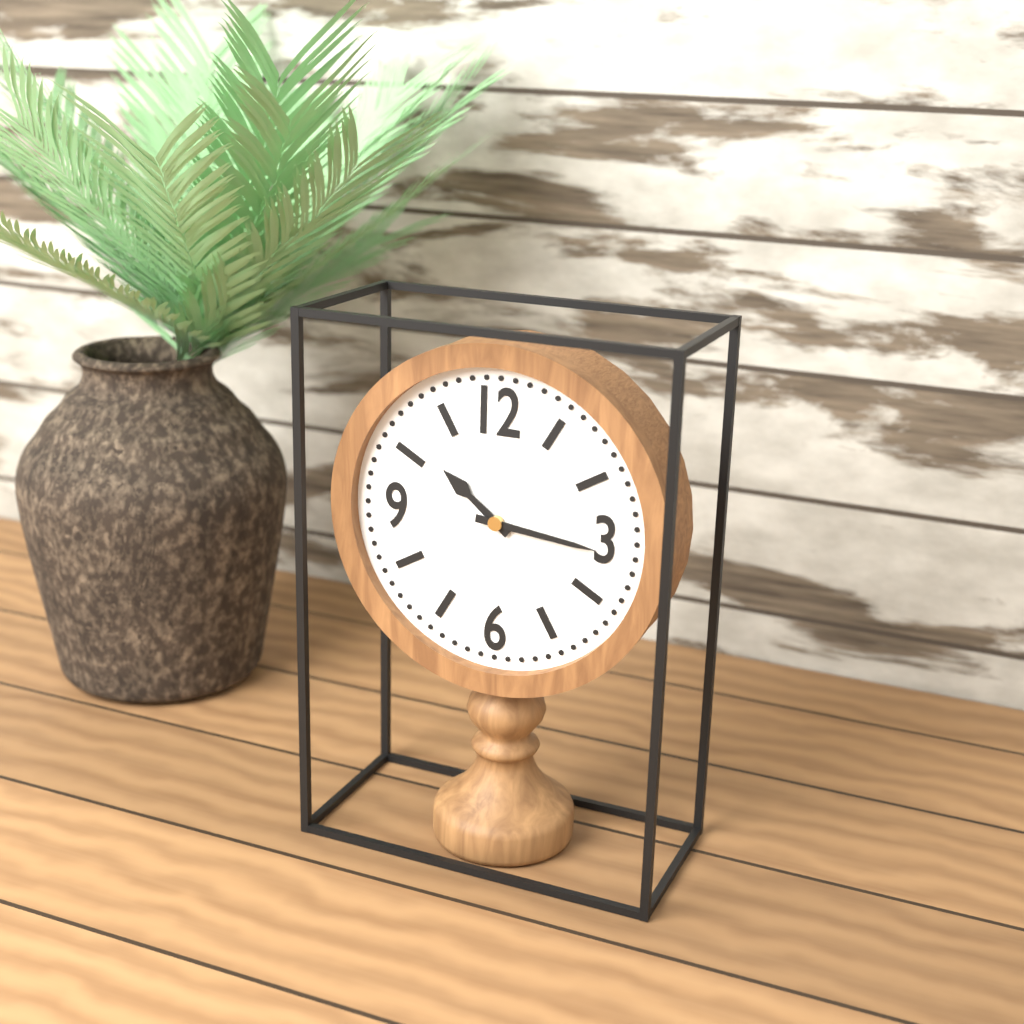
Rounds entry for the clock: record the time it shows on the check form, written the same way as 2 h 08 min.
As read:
10 h 16 min
